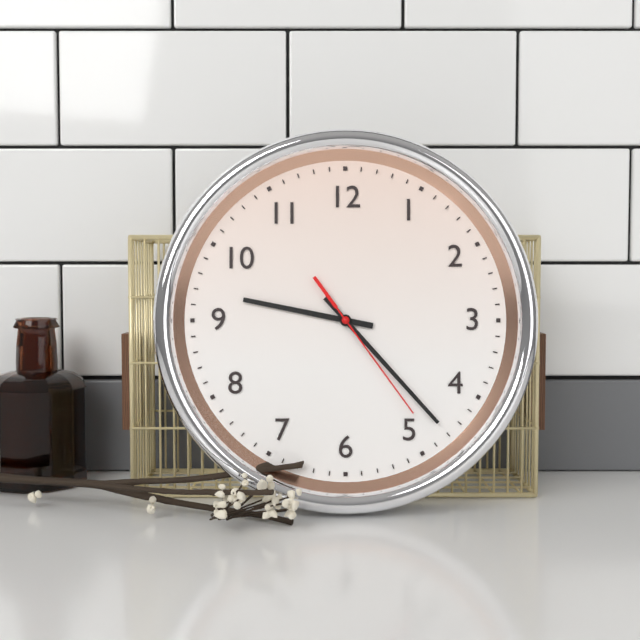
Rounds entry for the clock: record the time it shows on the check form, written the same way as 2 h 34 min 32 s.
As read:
9 h 23 min 24 s
